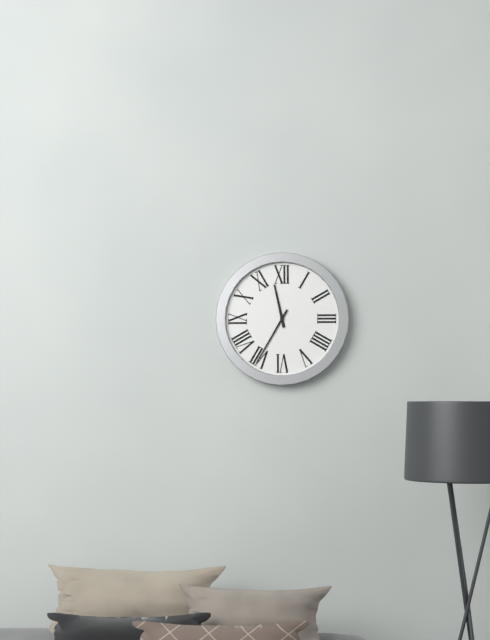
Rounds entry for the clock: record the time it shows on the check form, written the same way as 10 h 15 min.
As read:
11 h 35 min
